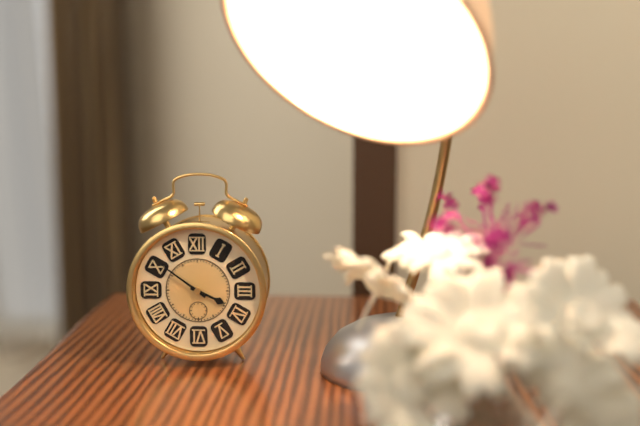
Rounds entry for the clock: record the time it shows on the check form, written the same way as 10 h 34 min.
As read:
3 h 51 min
